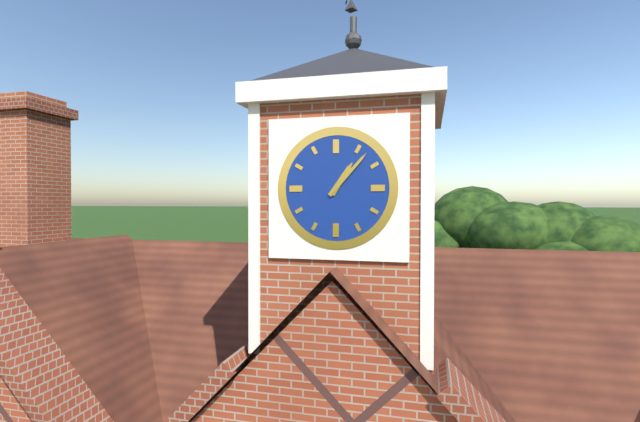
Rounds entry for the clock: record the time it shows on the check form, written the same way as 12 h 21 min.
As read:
1 h 07 min
